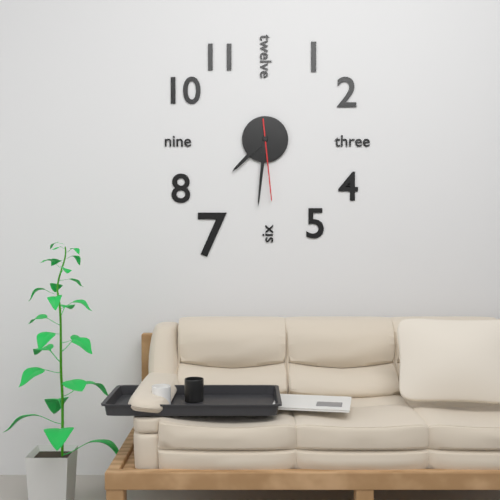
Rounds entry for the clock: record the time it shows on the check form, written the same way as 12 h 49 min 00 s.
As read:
7 h 31 min 29 s
